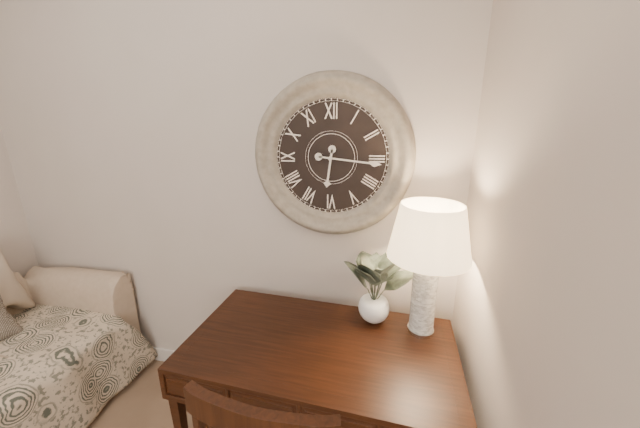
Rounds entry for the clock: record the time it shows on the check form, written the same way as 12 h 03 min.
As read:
6 h 16 min
